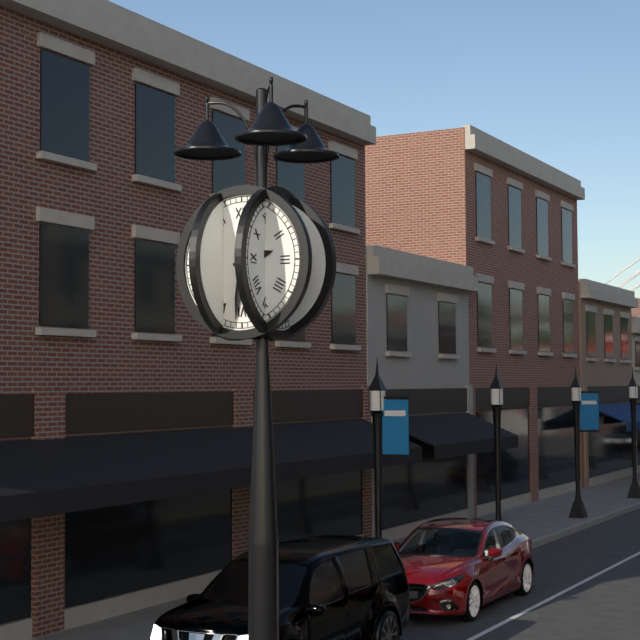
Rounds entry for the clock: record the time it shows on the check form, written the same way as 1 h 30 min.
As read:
2 h 31 min
